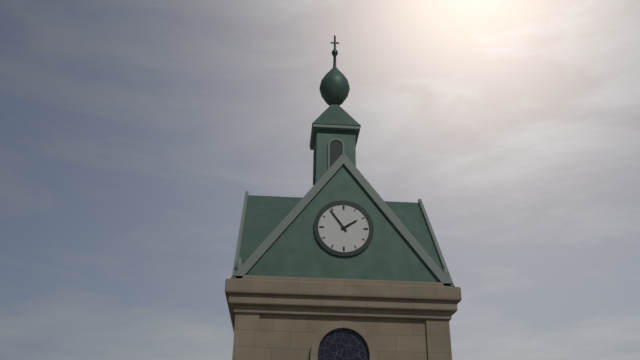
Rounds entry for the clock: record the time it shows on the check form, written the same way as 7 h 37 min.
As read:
1 h 54 min
